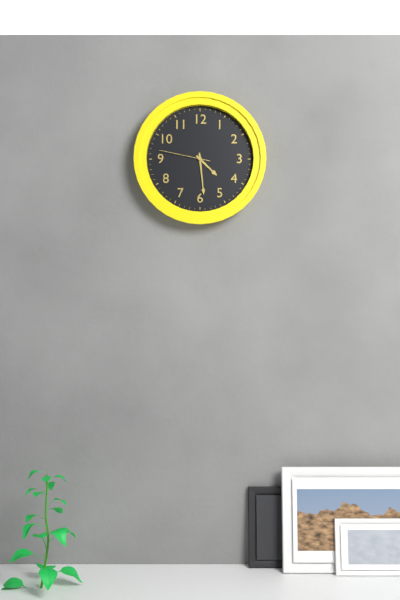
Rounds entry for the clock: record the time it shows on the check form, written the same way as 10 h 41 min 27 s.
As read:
4 h 29 min 47 s
